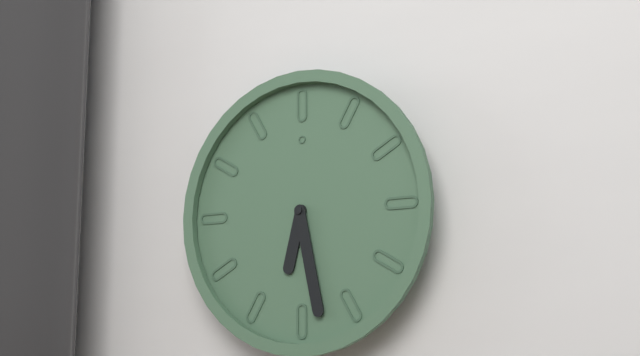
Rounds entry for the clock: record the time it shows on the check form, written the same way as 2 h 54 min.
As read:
6 h 28 min
